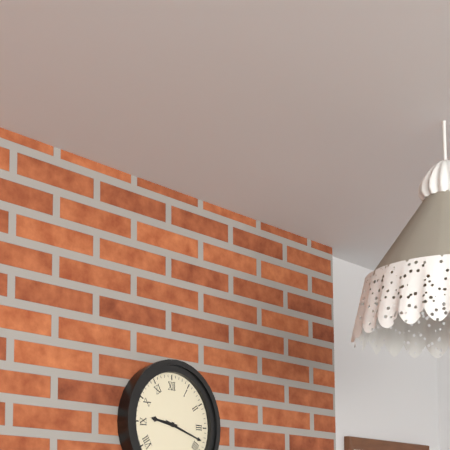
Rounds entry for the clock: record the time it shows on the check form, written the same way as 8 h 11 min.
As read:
9 h 18 min
